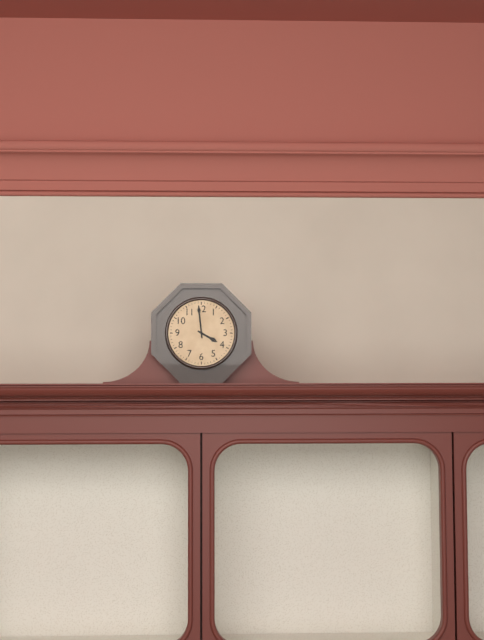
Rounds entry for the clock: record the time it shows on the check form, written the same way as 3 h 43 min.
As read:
3 h 59 min
